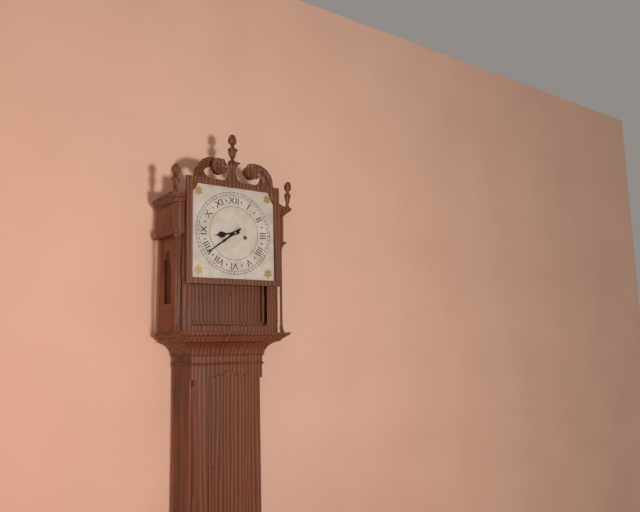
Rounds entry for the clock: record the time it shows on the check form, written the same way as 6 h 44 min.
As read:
8 h 39 min
